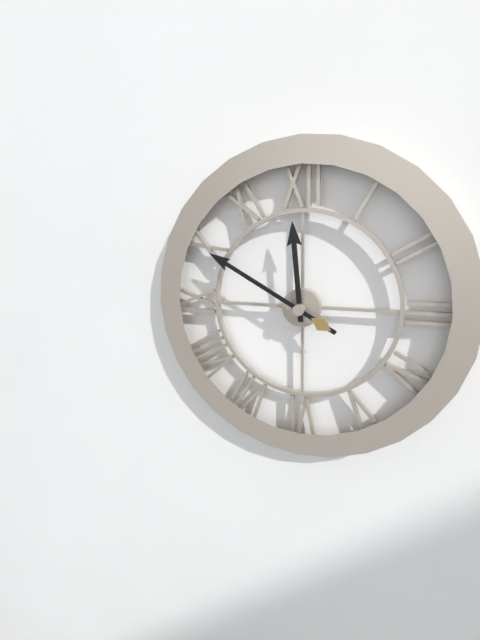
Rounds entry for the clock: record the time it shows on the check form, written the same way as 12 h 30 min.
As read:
11 h 50 min
